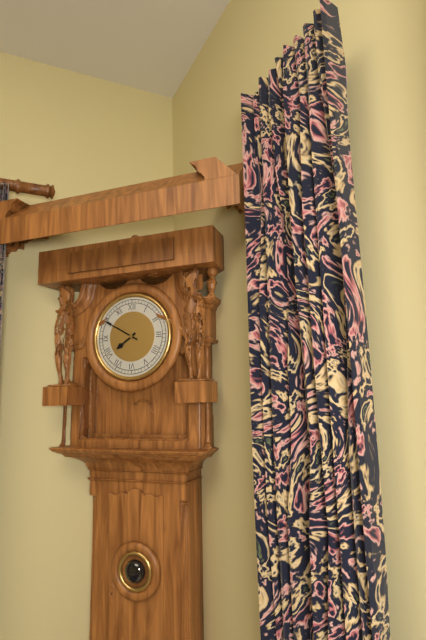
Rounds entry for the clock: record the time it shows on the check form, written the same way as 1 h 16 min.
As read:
7 h 50 min
